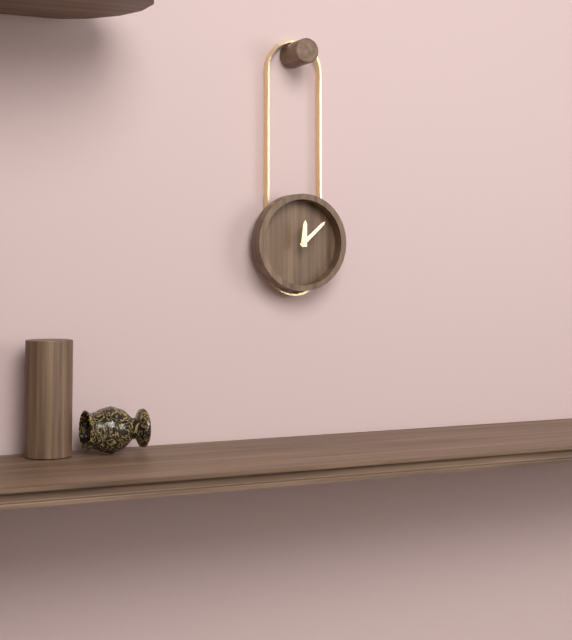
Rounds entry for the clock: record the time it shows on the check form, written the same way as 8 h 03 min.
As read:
12 h 08 min
